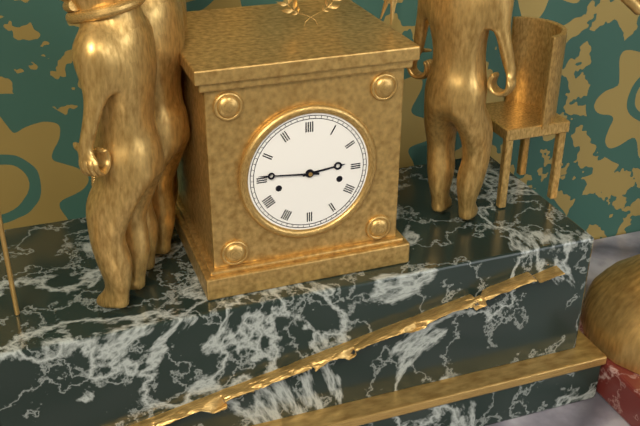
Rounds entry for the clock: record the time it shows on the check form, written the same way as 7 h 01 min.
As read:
2 h 46 min
